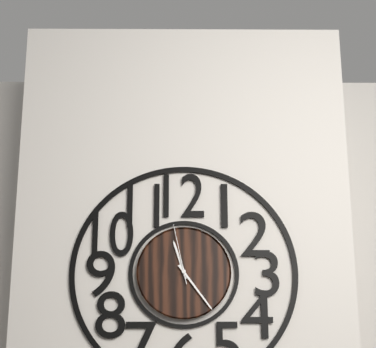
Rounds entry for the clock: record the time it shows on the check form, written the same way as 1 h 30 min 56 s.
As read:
11 h 24 min 58 s
